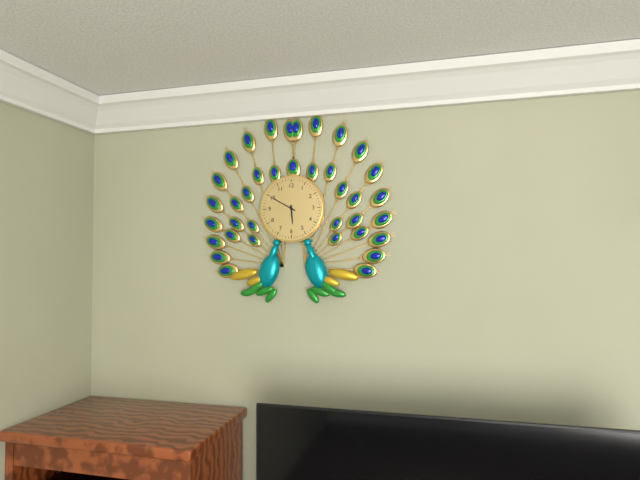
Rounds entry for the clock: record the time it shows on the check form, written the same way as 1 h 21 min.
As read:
5 h 50 min
